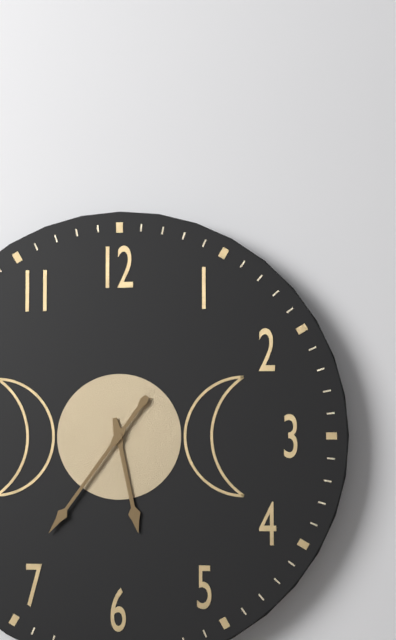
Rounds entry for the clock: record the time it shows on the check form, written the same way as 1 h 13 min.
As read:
5 h 36 min
